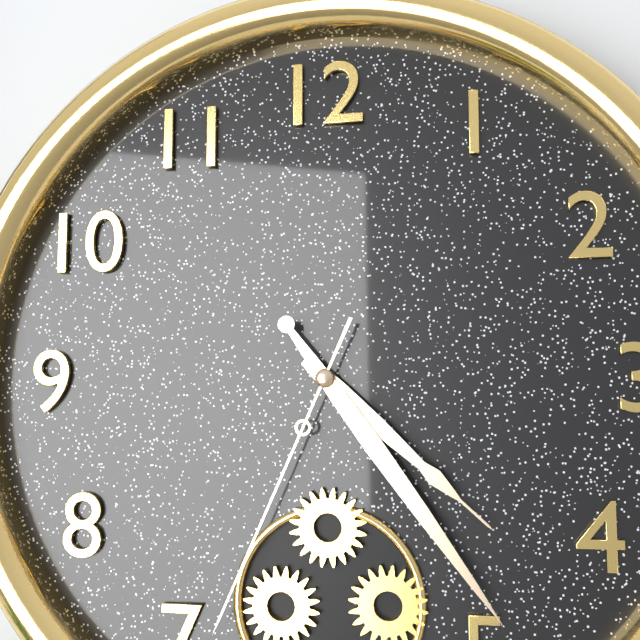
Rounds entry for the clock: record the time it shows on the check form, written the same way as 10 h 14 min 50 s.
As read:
4 h 24 min 34 s
